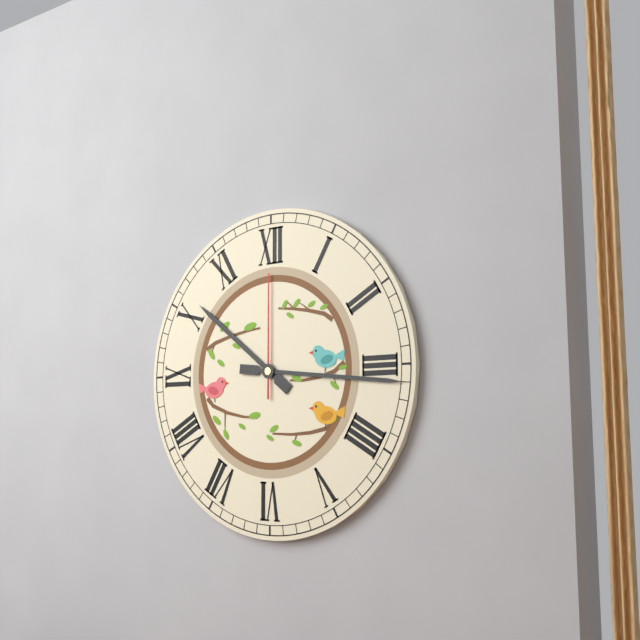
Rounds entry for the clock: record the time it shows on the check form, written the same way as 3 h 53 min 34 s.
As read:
10 h 16 min 00 s
